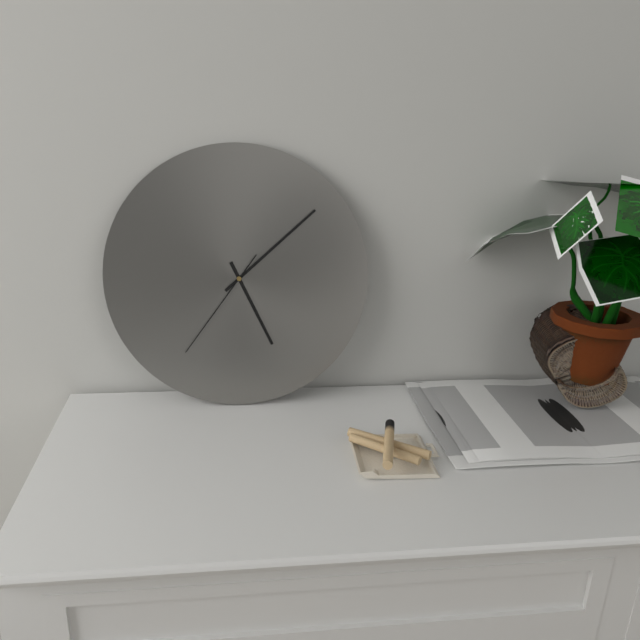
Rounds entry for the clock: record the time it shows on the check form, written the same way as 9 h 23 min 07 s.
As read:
5 h 08 min 36 s
